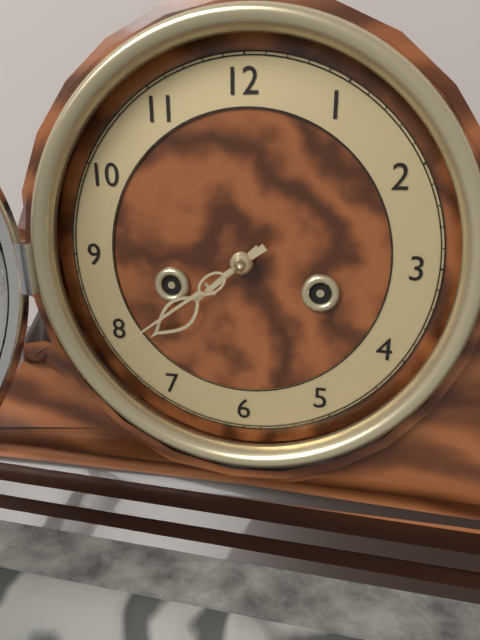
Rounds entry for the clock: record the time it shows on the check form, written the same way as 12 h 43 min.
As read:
7 h 39 min
